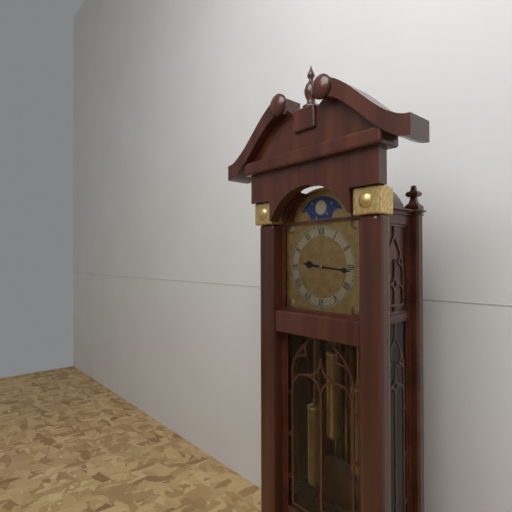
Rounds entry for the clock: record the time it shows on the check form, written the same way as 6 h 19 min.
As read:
9 h 16 min
